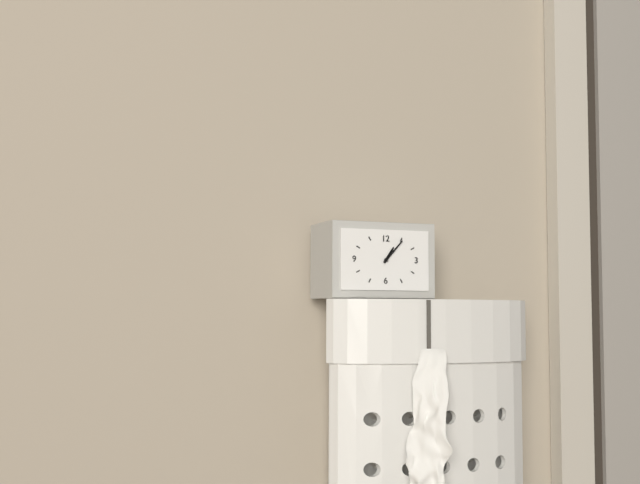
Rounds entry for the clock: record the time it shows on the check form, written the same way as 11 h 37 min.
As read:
1 h 07 min
